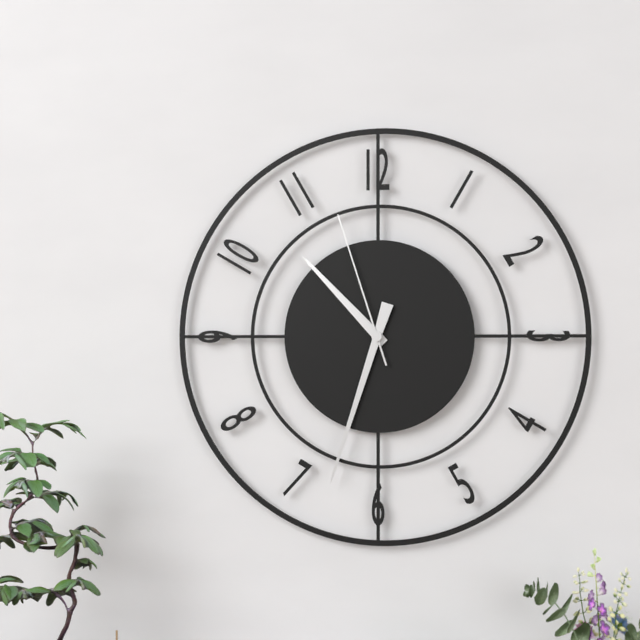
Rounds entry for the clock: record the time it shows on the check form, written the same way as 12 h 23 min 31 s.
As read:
10 h 33 min 57 s
